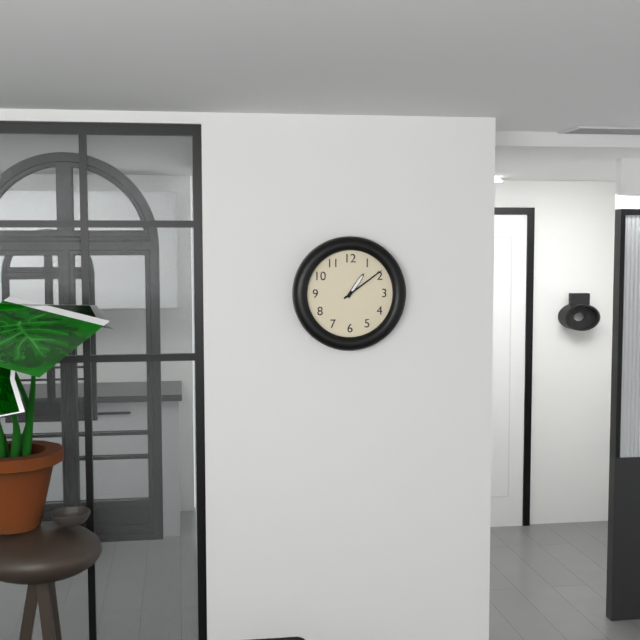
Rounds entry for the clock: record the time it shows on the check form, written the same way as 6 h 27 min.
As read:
1 h 09 min
